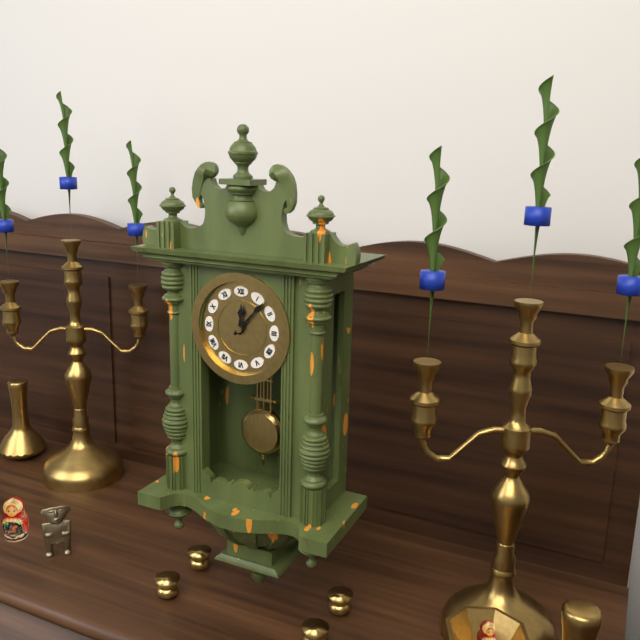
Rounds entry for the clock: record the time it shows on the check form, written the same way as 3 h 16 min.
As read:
12 h 07 min
